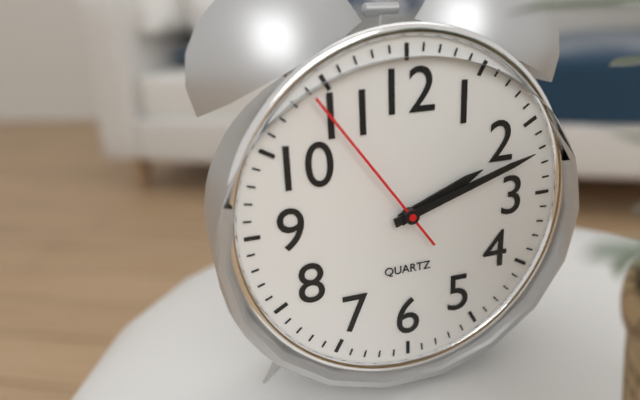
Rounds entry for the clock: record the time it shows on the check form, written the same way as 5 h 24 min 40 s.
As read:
2 h 12 min 54 s
